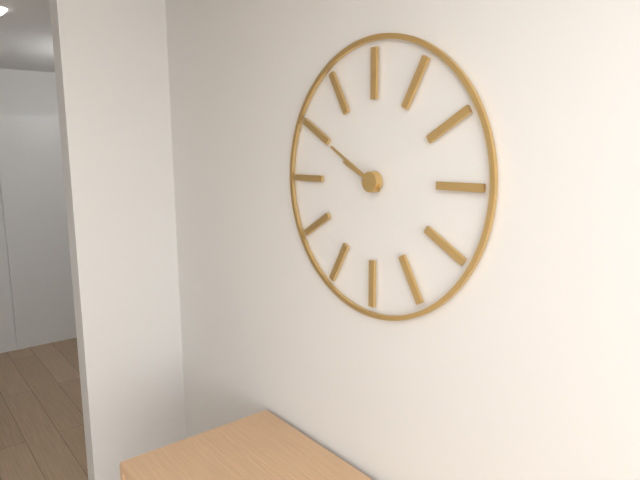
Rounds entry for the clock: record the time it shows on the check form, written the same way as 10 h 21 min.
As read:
9 h 50 min
